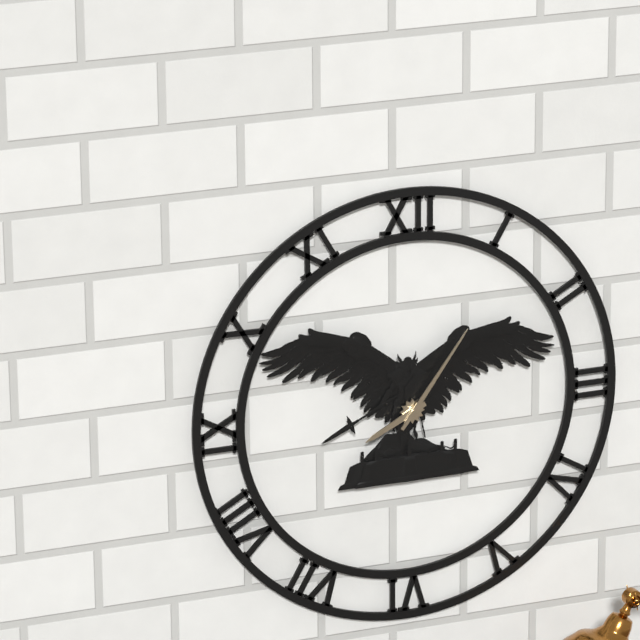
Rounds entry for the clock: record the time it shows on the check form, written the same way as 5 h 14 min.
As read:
8 h 06 min
